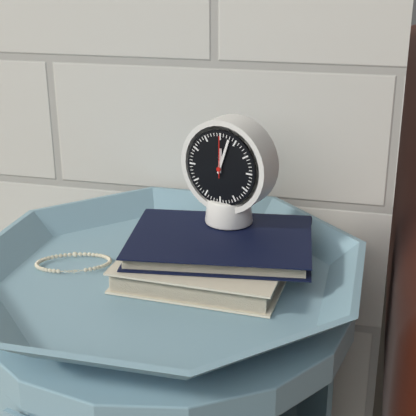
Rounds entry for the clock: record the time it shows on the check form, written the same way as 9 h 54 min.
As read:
12 h 03 min
